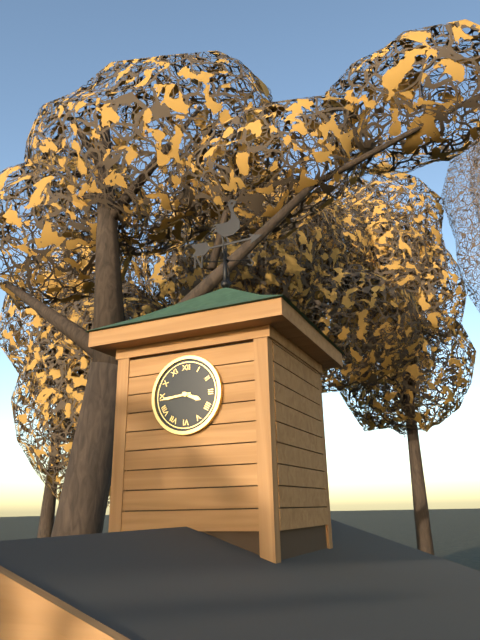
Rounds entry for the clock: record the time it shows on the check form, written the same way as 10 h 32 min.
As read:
3 h 44 min
